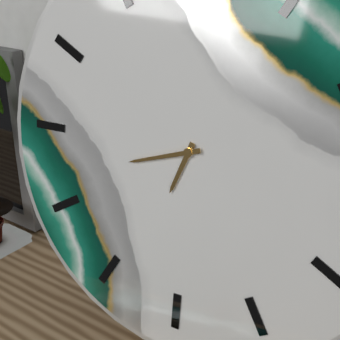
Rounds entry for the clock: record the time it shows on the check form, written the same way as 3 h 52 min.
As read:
6 h 42 min
